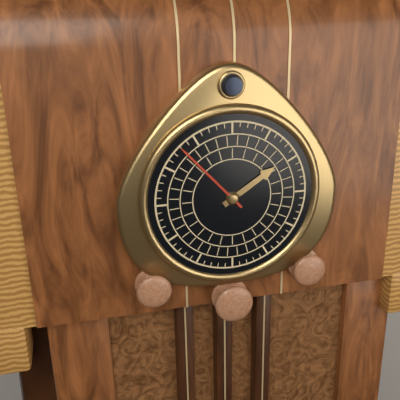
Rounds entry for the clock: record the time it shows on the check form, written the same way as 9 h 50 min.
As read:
1 h 53 min
